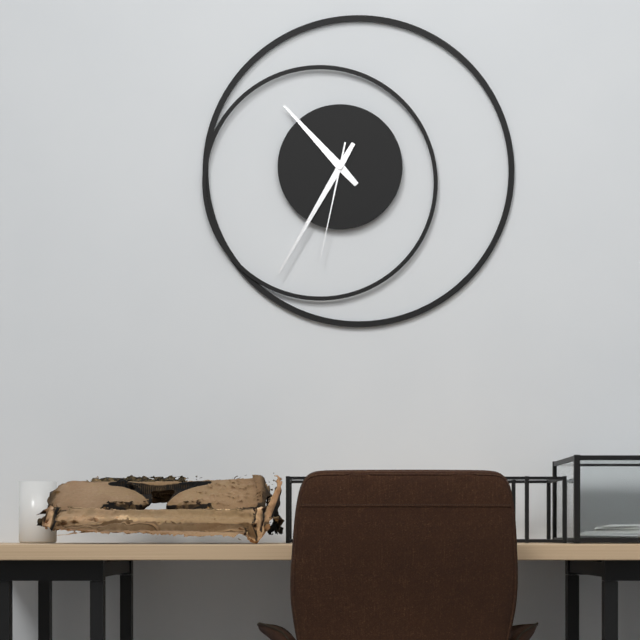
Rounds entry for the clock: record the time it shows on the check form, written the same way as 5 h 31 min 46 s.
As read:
10 h 35 min 32 s
